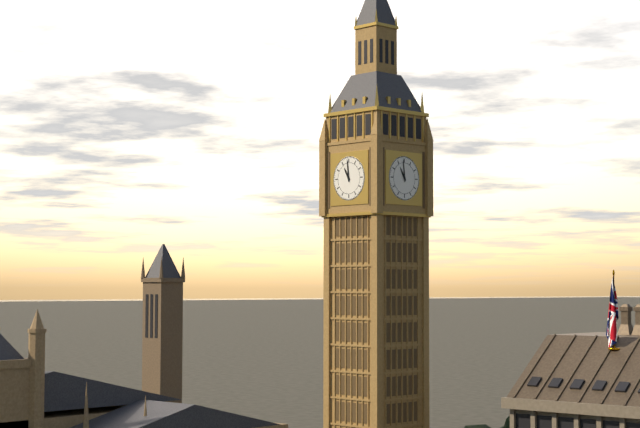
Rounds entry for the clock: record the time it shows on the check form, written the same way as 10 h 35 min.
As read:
10 h 59 min
